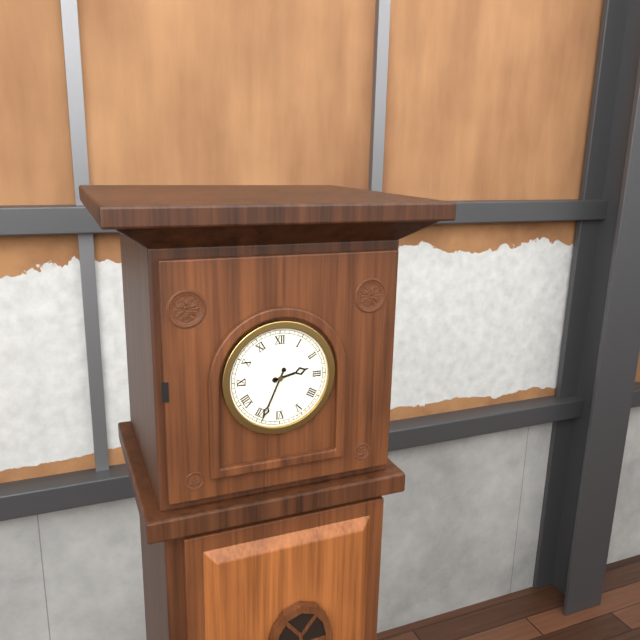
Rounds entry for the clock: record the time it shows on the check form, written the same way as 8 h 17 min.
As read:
2 h 34 min
